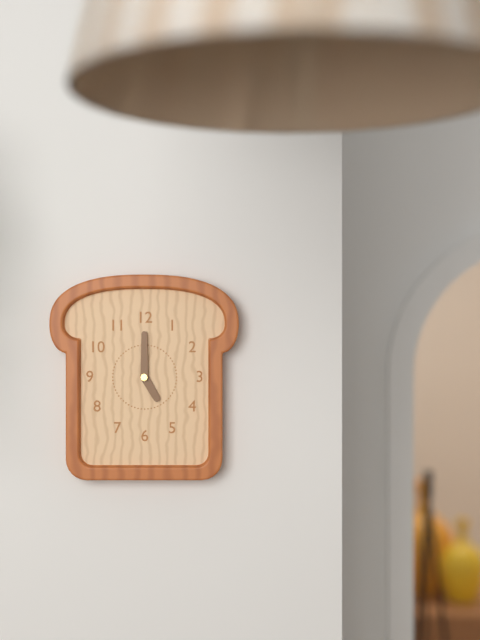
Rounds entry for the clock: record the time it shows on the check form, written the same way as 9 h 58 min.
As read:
5 h 00 min
